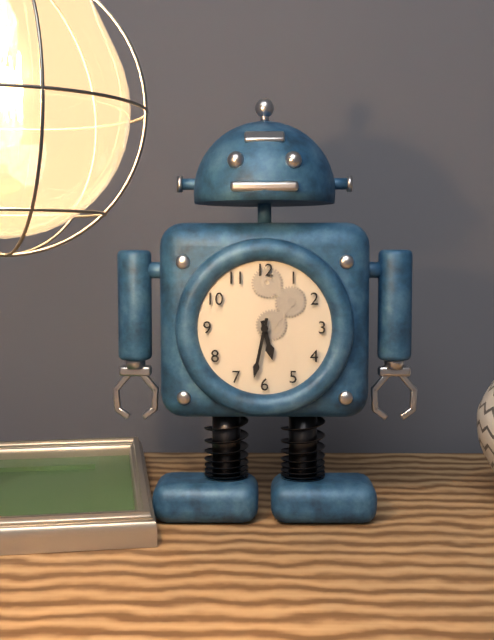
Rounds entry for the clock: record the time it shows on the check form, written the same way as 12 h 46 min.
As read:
5 h 32 min
